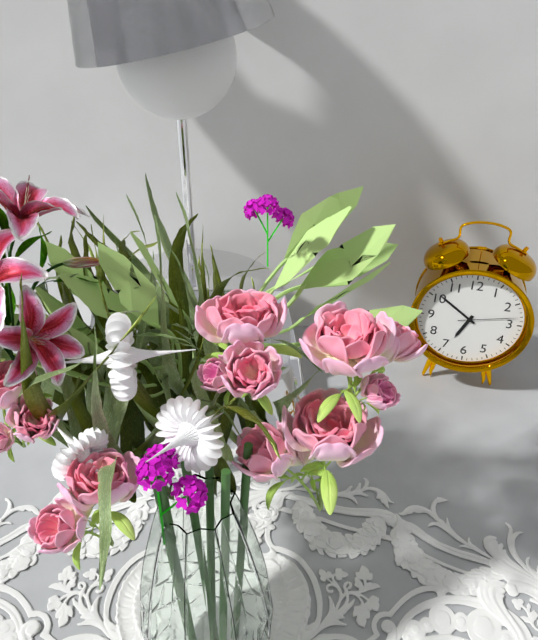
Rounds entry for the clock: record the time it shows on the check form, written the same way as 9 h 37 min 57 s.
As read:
6 h 51 min 13 s
